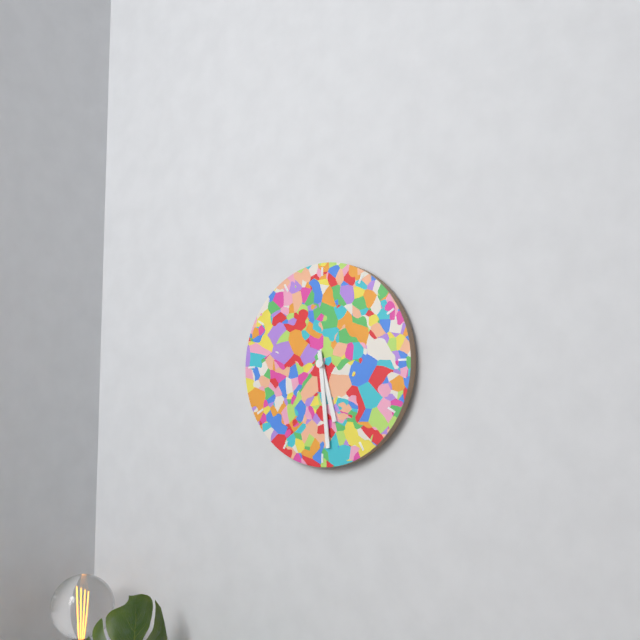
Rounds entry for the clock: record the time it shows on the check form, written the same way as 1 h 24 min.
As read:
5 h 29 min
